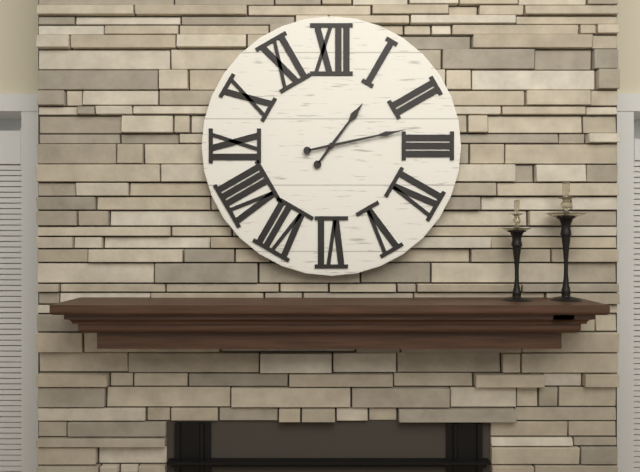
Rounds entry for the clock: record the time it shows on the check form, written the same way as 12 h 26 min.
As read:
1 h 13 min
